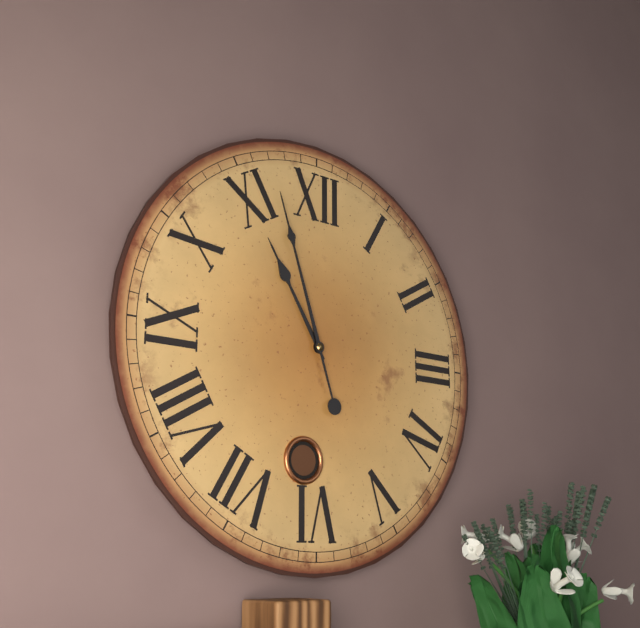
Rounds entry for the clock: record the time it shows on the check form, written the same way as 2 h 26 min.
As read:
10 h 57 min
